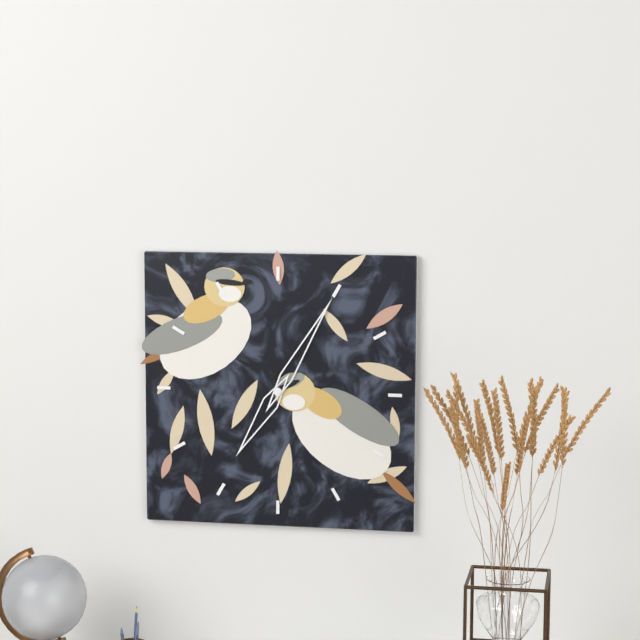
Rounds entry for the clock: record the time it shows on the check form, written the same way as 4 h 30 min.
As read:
7 h 05 min
